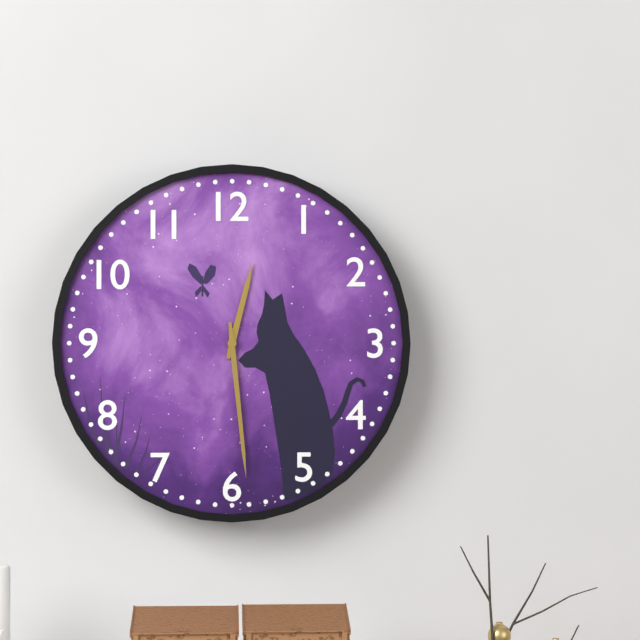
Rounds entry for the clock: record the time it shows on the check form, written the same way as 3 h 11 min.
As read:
12 h 29 min
